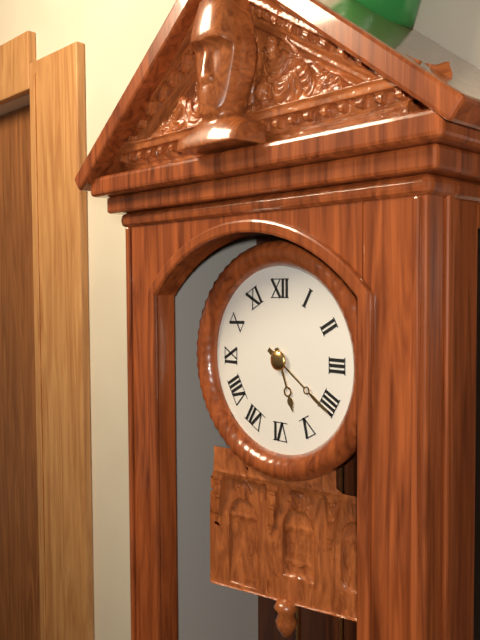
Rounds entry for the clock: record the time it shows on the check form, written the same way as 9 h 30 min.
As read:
5 h 21 min
